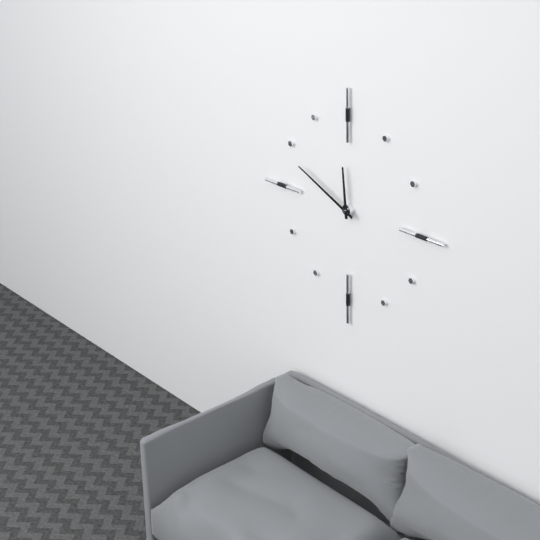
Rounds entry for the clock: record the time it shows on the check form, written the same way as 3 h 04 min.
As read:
11 h 49 min
